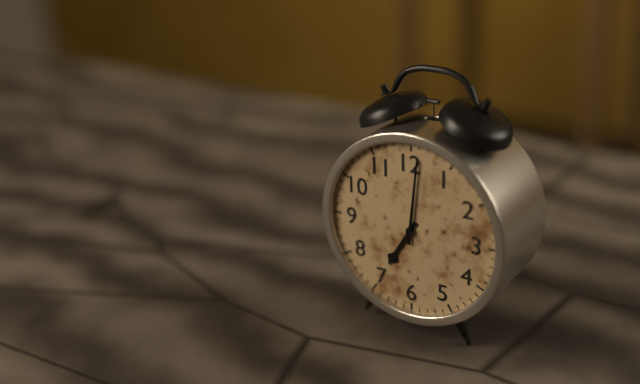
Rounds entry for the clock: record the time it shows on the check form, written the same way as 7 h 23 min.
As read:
7 h 01 min
